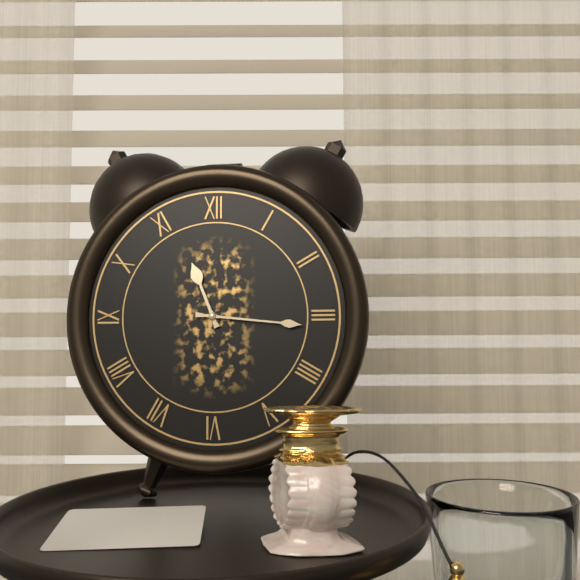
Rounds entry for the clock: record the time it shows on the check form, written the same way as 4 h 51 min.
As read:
11 h 16 min
